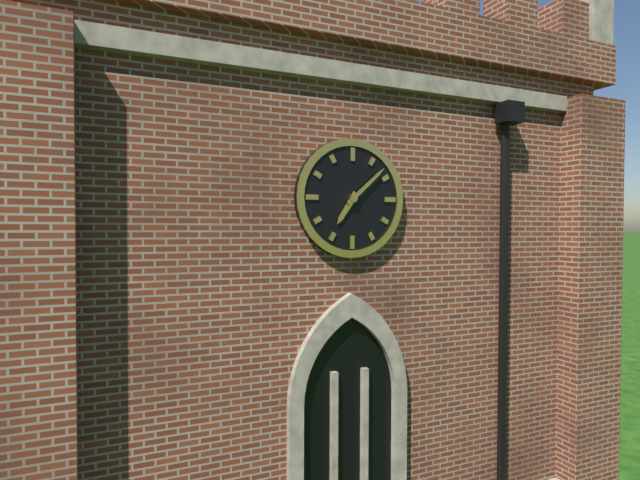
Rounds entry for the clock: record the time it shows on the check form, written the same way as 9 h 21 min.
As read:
7 h 08 min
